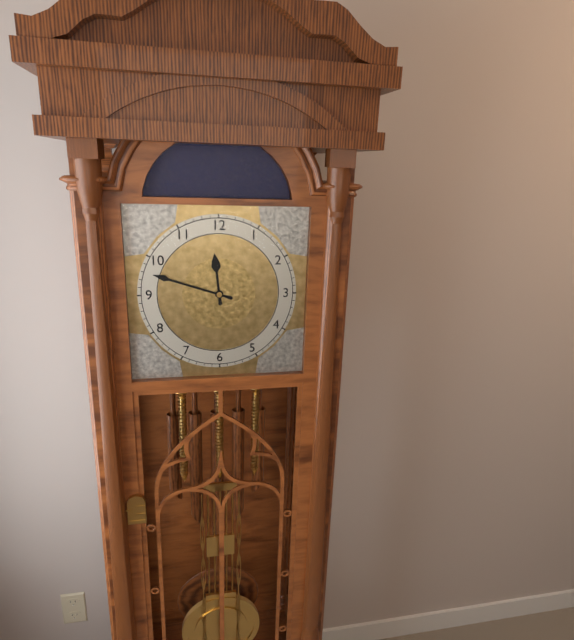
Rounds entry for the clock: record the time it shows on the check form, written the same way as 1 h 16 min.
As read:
11 h 48 min
